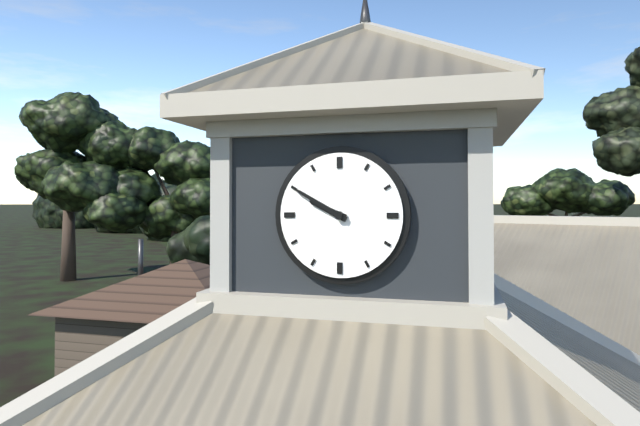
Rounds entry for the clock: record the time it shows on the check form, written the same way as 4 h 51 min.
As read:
9 h 50 min
